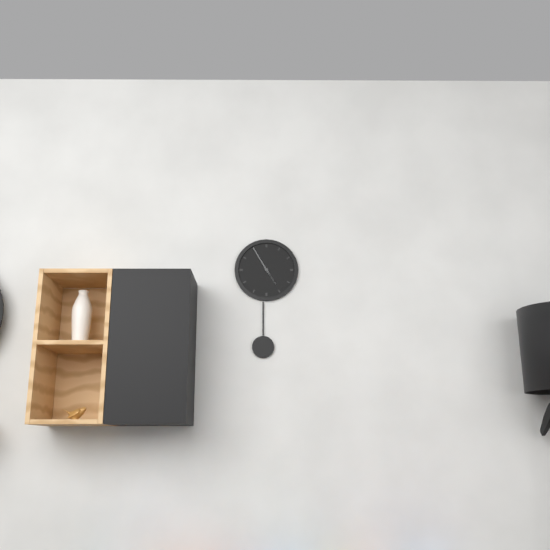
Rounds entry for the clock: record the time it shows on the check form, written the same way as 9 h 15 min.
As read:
4 h 55 min
